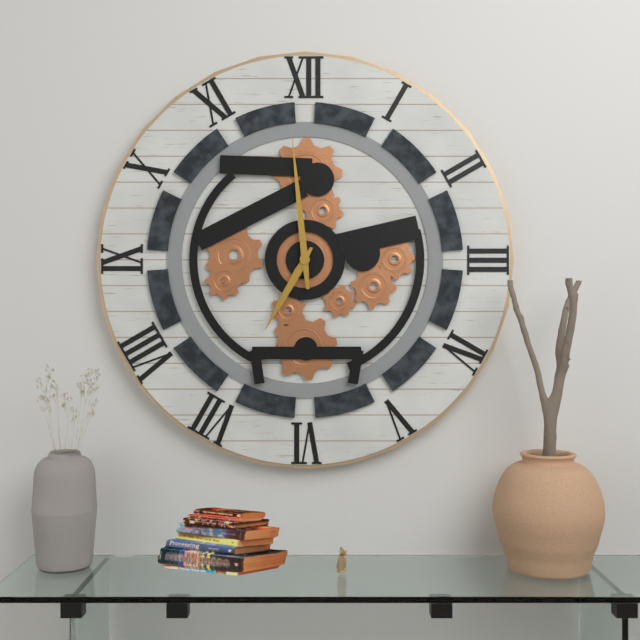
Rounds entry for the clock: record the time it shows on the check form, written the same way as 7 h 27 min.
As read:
6 h 59 min
